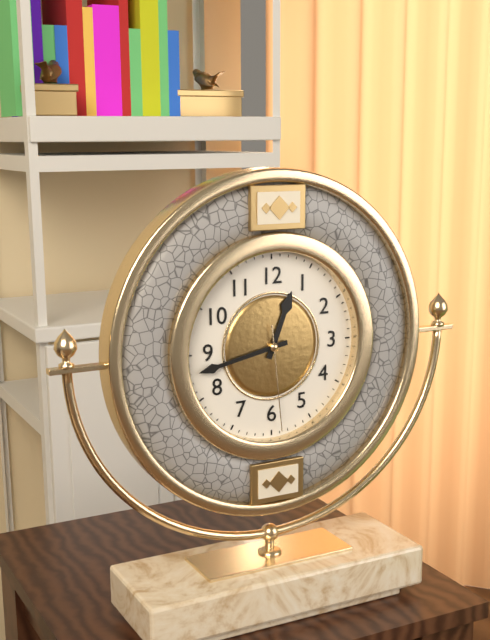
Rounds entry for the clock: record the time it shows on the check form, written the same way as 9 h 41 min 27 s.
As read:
12 h 43 min 29 s
